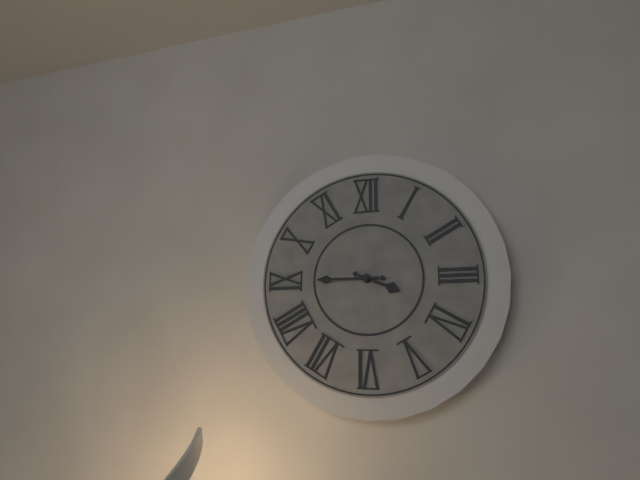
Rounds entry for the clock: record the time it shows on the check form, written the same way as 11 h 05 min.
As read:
3 h 45 min
